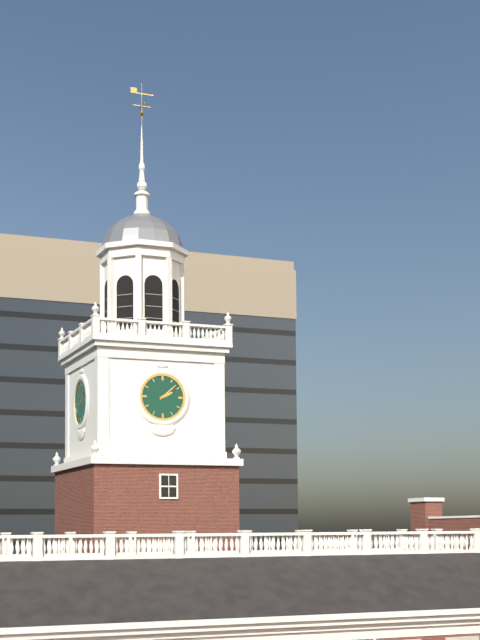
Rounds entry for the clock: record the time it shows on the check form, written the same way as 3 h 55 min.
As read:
2 h 08 min
